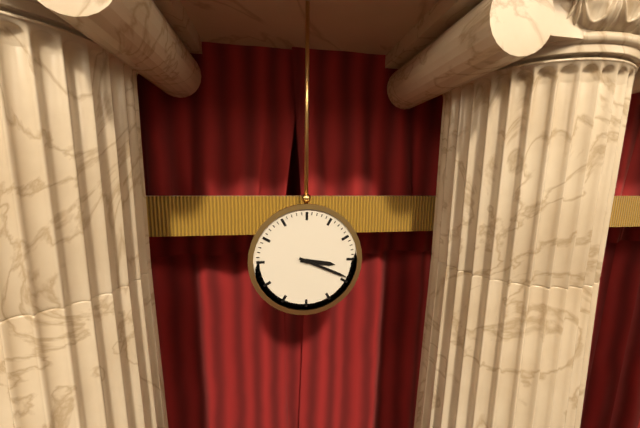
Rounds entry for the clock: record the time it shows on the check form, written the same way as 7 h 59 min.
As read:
3 h 19 min
